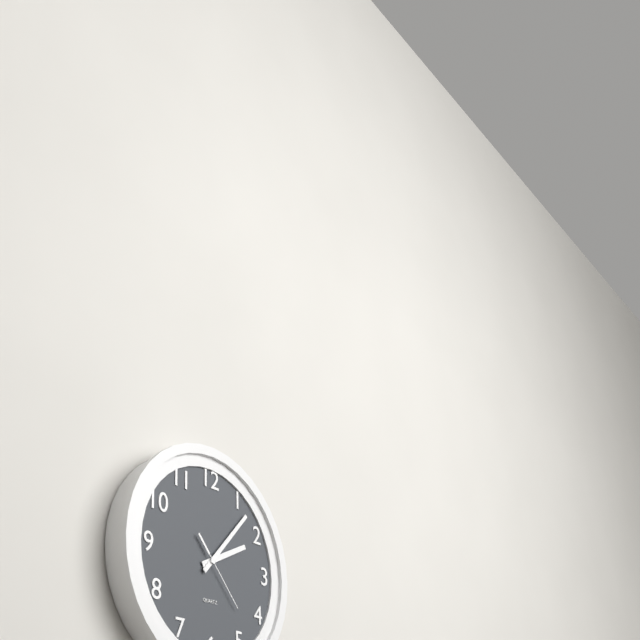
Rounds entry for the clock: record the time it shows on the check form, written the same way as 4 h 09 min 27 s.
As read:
2 h 07 min 23 s
